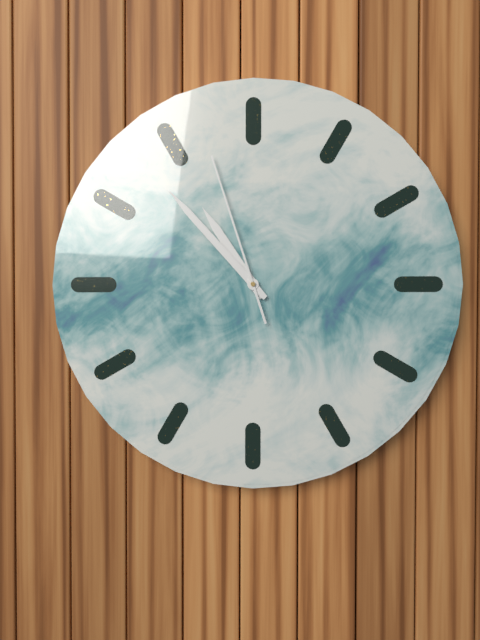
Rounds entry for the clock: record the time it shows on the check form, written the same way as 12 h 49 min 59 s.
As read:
10 h 53 min 57 s
